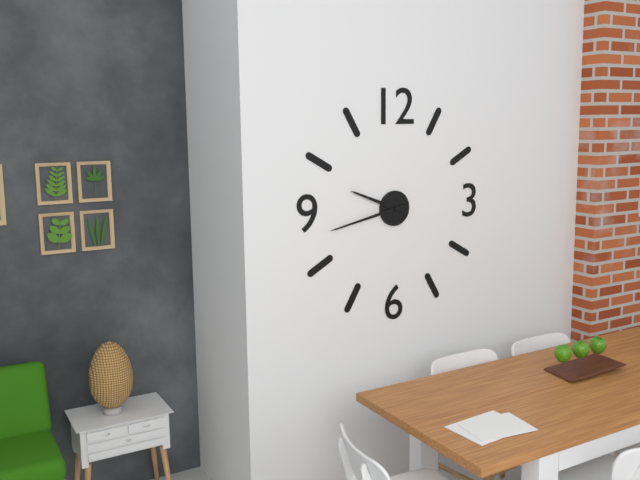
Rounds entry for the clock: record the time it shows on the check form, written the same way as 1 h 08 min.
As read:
9 h 43 min
